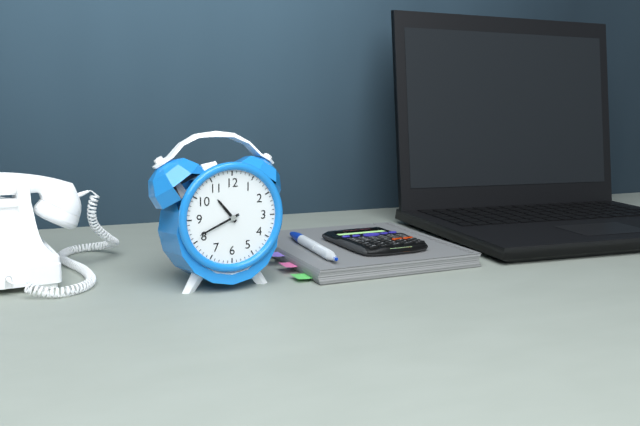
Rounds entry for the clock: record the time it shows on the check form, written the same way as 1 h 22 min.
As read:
10 h 41 min
